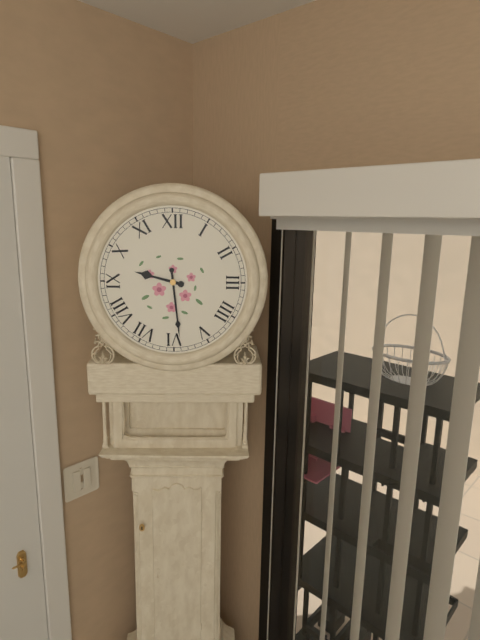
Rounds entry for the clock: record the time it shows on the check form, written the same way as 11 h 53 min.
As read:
9 h 29 min
